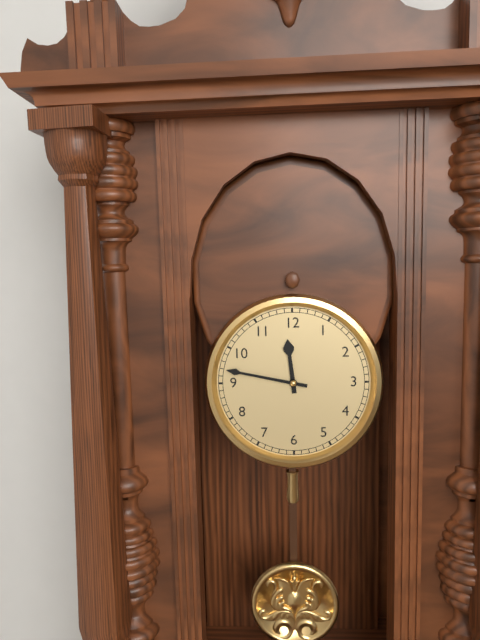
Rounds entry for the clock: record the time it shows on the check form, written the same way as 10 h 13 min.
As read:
11 h 47 min
